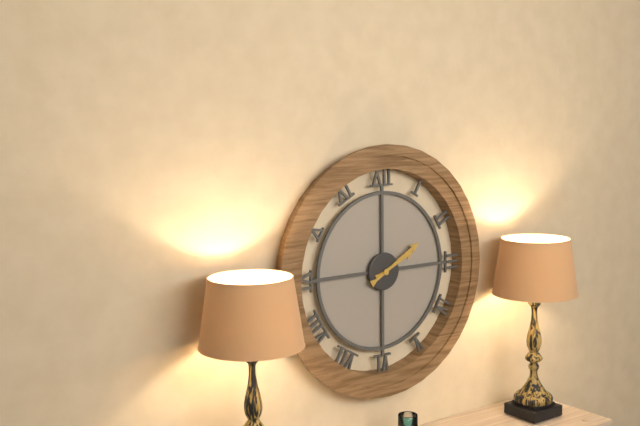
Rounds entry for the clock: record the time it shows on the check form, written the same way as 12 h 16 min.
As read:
2 h 10 min
